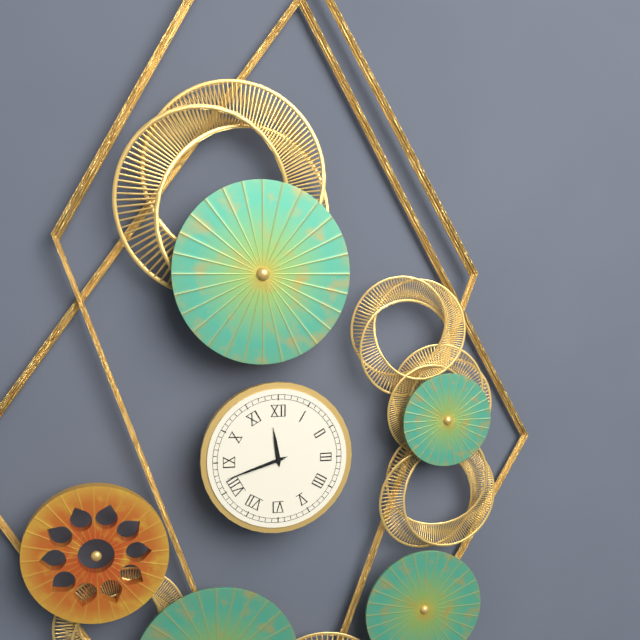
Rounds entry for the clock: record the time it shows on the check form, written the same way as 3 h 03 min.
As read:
11 h 42 min
